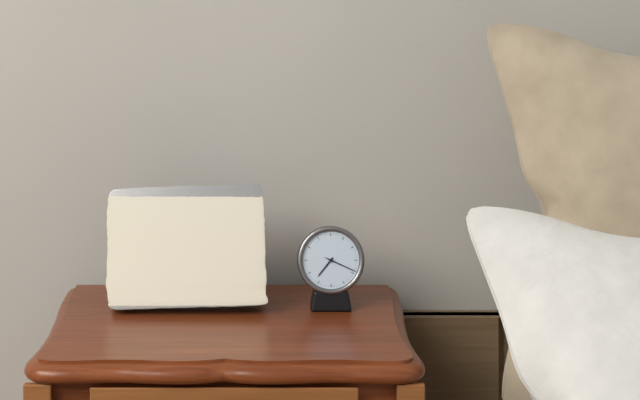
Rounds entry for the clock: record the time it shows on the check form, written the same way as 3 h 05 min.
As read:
7 h 19 min
